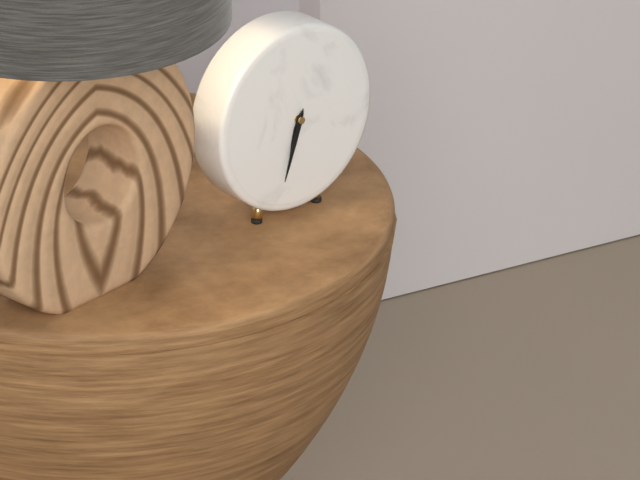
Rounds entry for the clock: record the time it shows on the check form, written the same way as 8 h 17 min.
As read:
6 h 33 min
